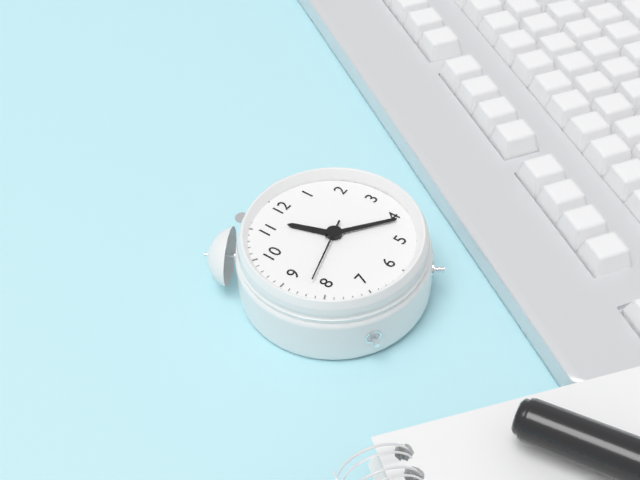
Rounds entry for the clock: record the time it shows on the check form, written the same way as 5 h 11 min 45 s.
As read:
11 h 21 min 42 s
